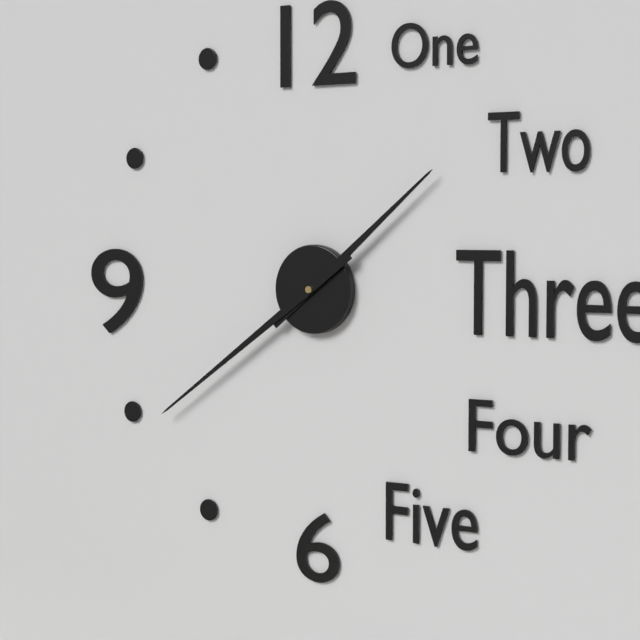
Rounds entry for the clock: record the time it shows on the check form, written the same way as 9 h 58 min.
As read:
1 h 39 min
